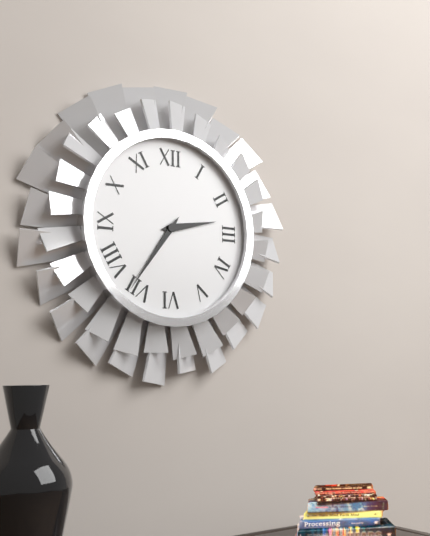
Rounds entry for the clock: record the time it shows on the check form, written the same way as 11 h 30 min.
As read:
2 h 36 min
